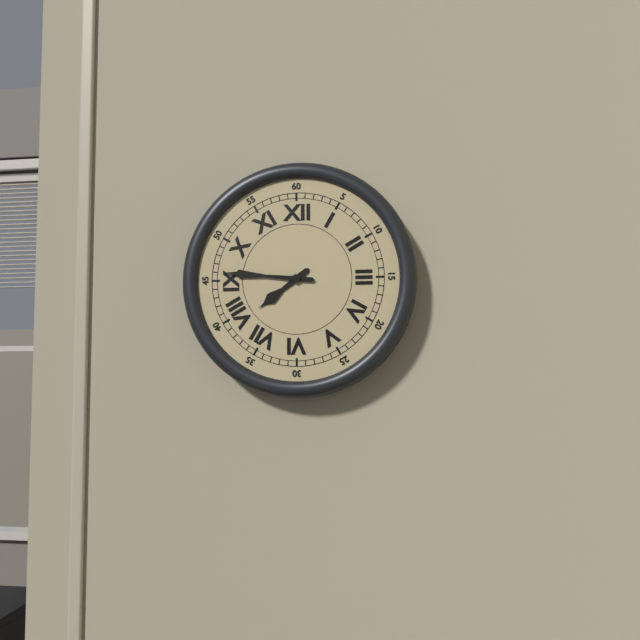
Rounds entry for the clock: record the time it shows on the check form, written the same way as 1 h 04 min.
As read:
7 h 46 min
